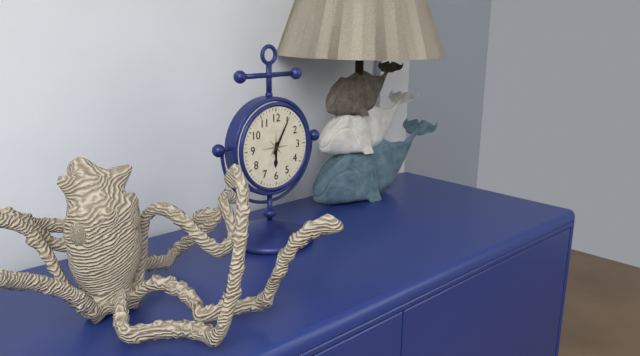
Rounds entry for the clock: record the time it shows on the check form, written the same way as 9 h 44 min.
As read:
6 h 05 min
